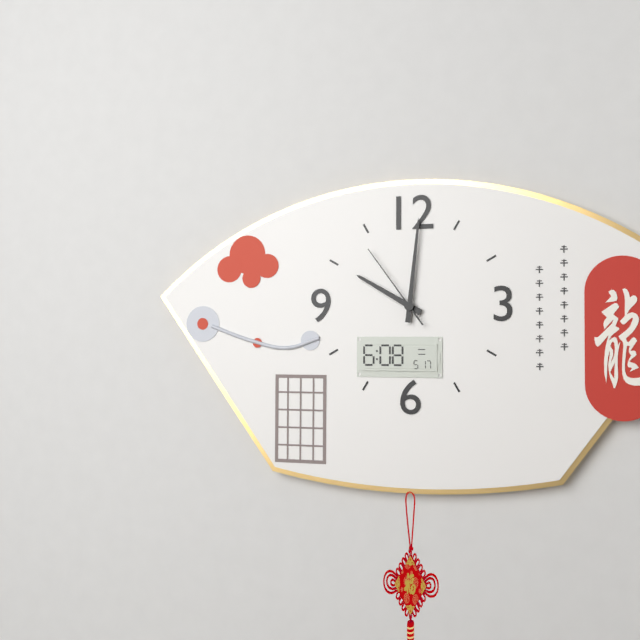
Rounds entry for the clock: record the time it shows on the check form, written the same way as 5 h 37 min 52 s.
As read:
10 h 01 min 54 s
